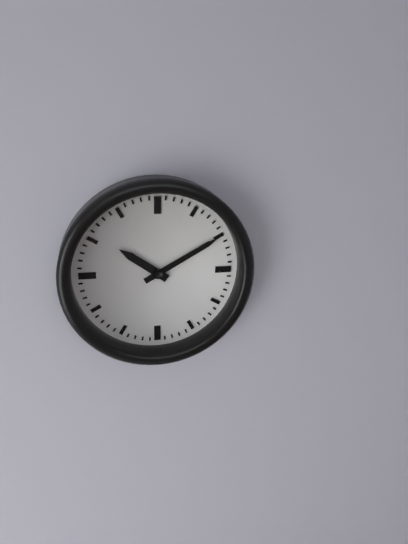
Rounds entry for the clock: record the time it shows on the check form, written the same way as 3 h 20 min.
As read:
10 h 10 min
